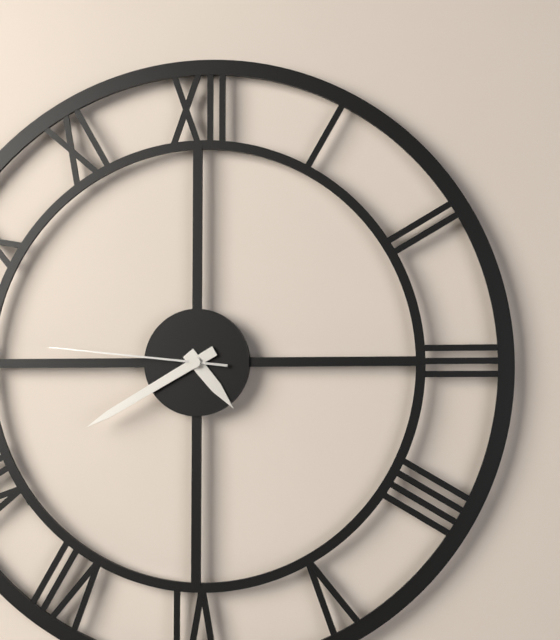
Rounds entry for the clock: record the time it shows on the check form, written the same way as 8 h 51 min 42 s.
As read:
4 h 40 min 46 s
